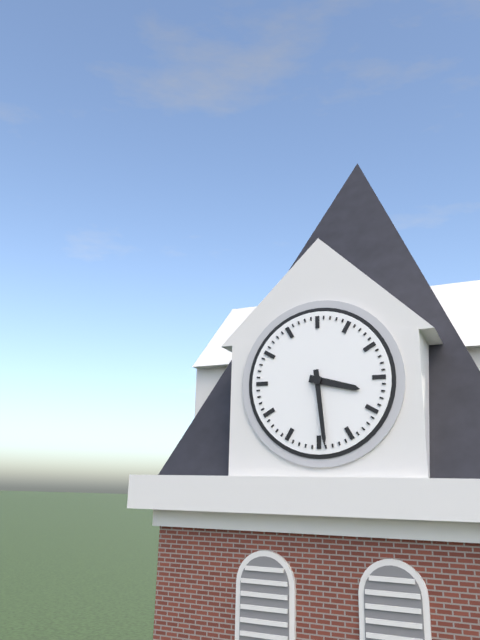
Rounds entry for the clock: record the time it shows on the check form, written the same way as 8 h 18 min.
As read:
3 h 29 min
